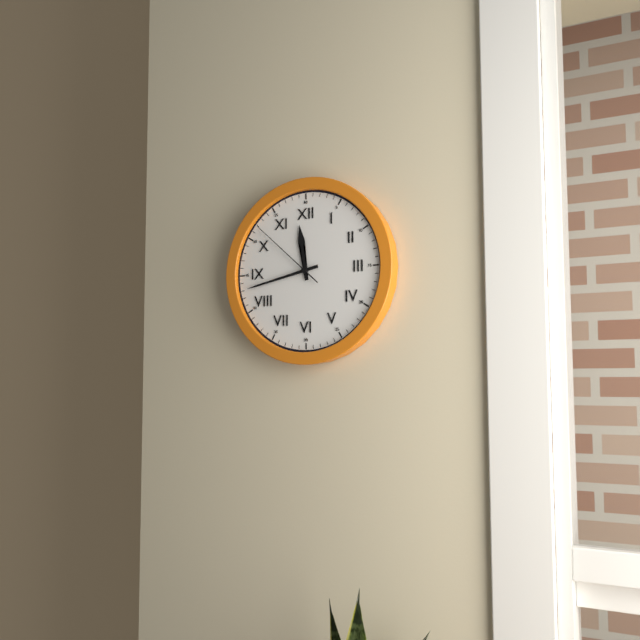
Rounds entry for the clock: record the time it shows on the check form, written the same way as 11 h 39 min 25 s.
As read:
11 h 43 min 52 s
